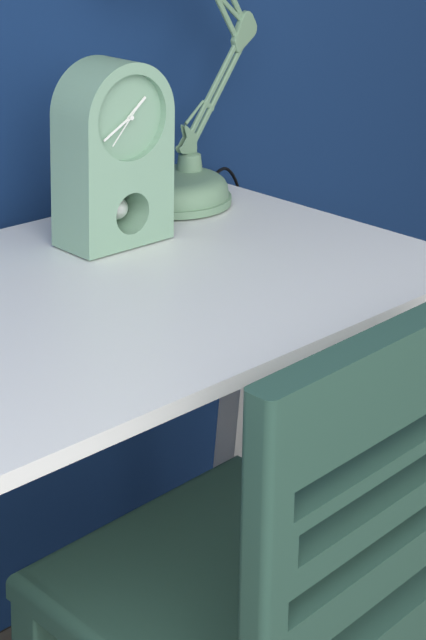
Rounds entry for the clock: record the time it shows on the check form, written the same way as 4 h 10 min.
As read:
1 h 40 min
